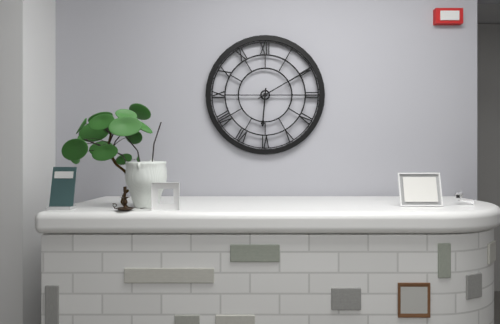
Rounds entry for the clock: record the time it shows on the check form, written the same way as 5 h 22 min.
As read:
6 h 10 min
